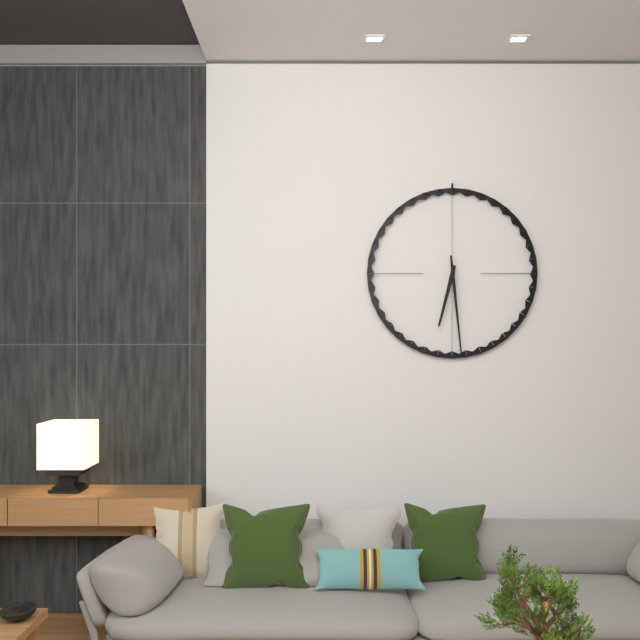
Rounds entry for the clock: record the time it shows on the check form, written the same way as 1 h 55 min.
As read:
6 h 29 min
